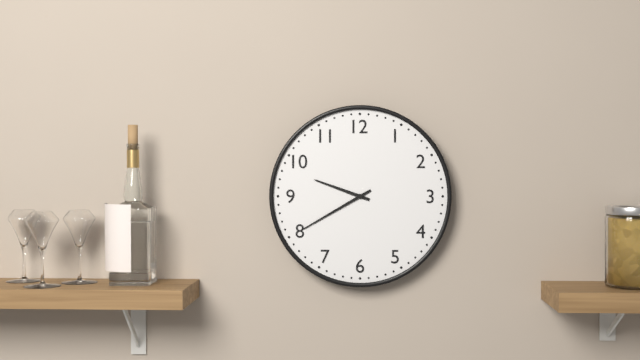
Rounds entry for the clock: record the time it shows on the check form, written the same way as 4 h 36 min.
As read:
9 h 40 min
